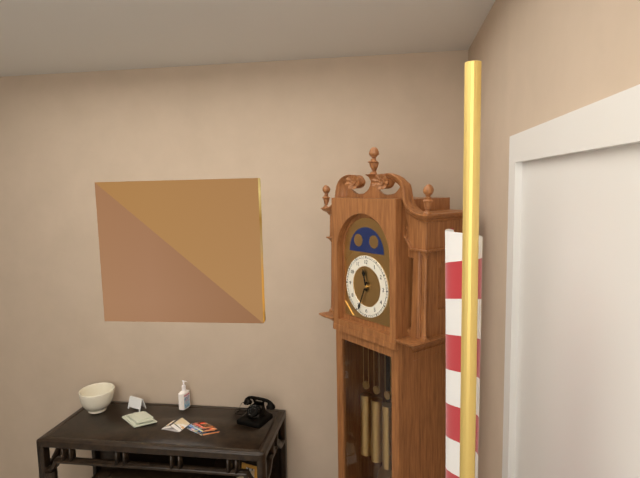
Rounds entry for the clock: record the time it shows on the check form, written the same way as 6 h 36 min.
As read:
11 h 34 min
